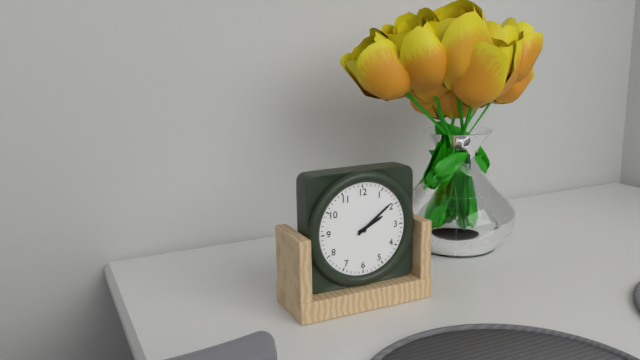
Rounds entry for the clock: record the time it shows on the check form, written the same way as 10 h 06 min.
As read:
2 h 09 min
